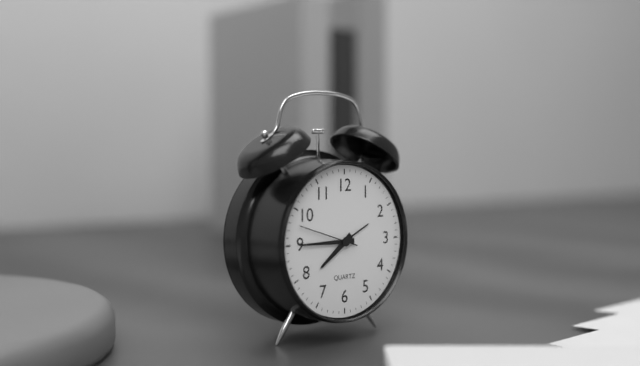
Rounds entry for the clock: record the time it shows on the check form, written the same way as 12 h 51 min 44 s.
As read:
7 h 45 min 48 s
